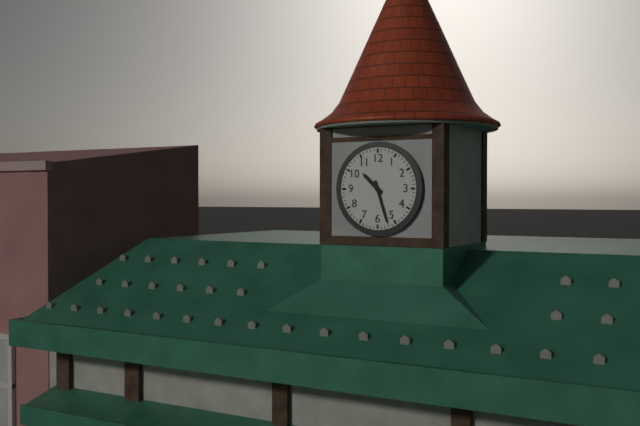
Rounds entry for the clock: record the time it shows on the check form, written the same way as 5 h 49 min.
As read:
10 h 27 min
